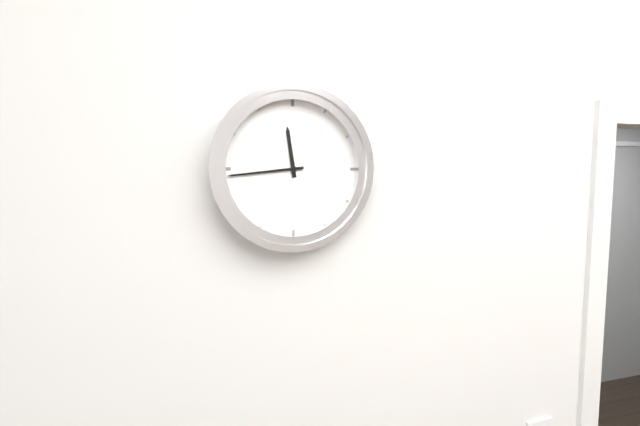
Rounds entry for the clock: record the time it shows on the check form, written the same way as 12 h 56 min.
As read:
11 h 44 min
